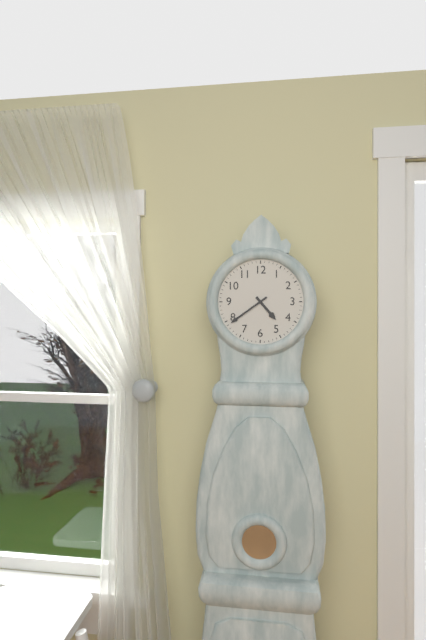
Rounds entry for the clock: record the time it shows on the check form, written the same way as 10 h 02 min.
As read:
4 h 39 min
